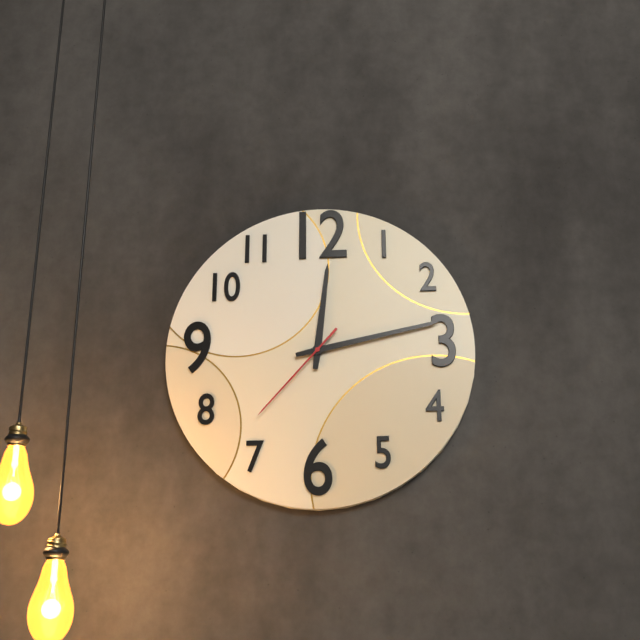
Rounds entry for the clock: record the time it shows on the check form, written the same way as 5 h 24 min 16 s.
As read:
12 h 13 min 37 s
